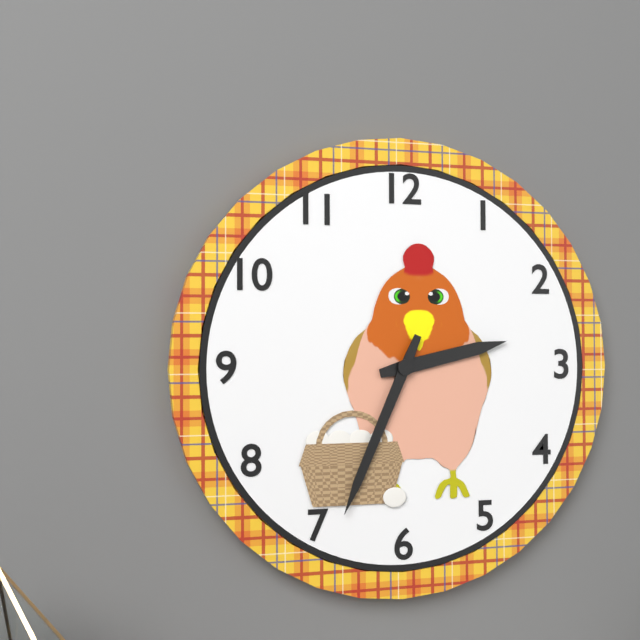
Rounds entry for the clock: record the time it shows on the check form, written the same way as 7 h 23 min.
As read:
2 h 34 min
